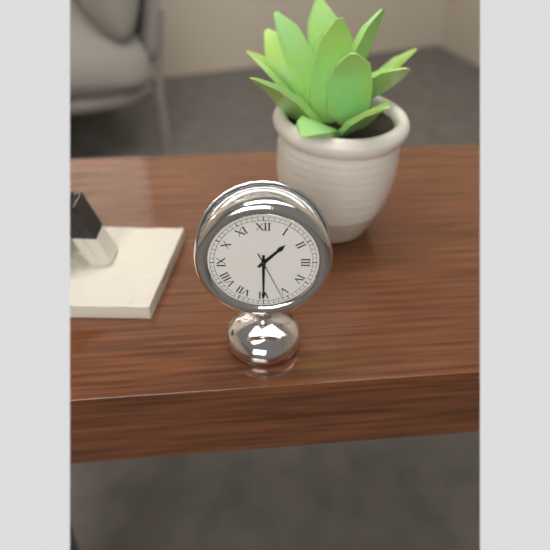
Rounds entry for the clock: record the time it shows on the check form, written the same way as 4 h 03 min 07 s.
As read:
1 h 30 min 26 s
